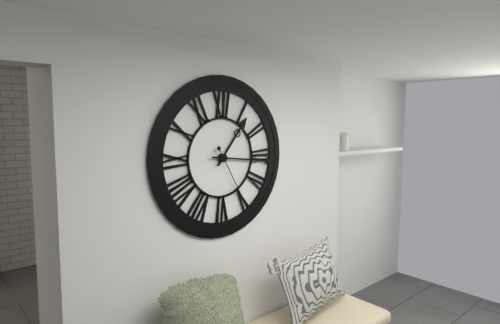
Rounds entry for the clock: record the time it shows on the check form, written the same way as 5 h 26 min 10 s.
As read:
1 h 16 min 25 s
